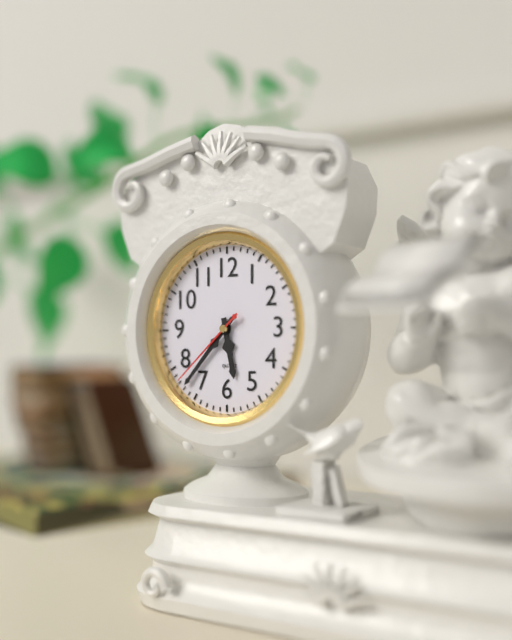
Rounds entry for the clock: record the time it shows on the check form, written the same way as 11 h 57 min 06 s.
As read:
5 h 37 min 38 s
